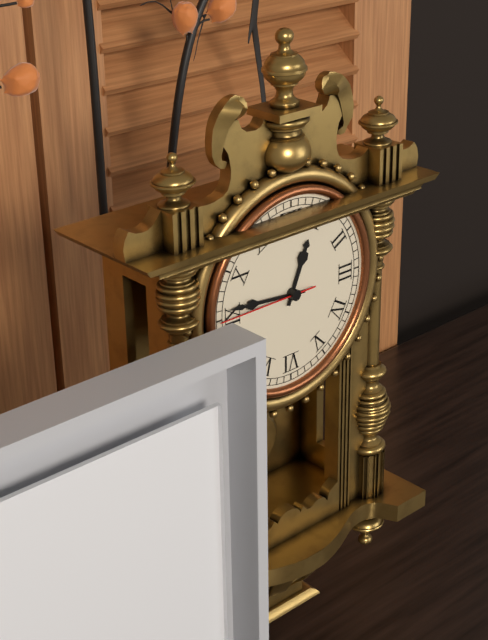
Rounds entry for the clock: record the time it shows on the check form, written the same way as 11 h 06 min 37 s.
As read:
12 h 46 min 45 s
